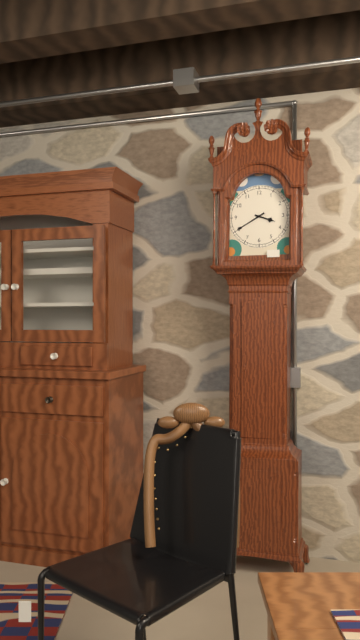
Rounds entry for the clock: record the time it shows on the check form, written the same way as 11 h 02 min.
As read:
3 h 40 min
